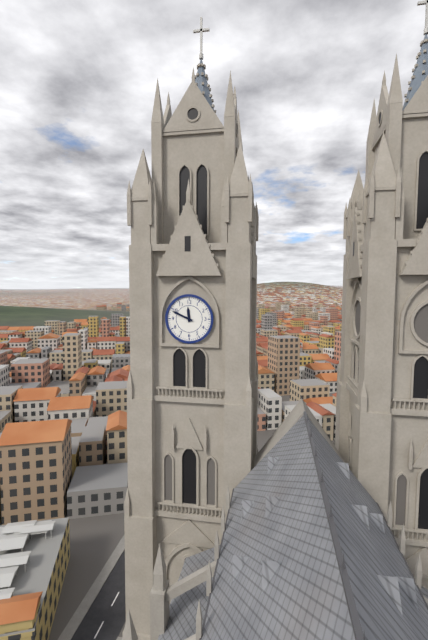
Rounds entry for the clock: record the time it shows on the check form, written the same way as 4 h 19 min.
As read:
11 h 49 min
